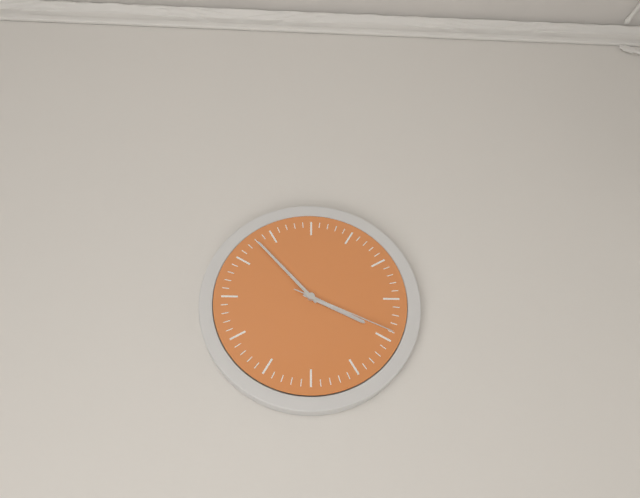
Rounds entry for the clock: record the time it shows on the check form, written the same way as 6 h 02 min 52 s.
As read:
3 h 53 min 19 s
